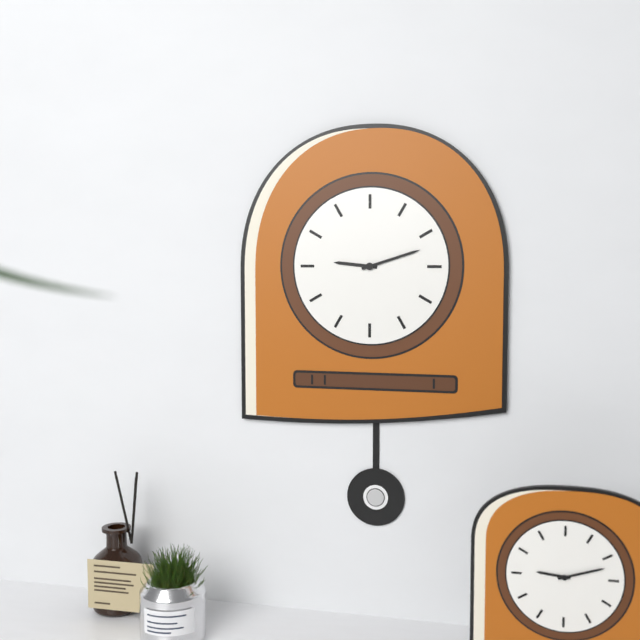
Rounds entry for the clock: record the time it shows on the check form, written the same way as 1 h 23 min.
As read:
9 h 12 min
